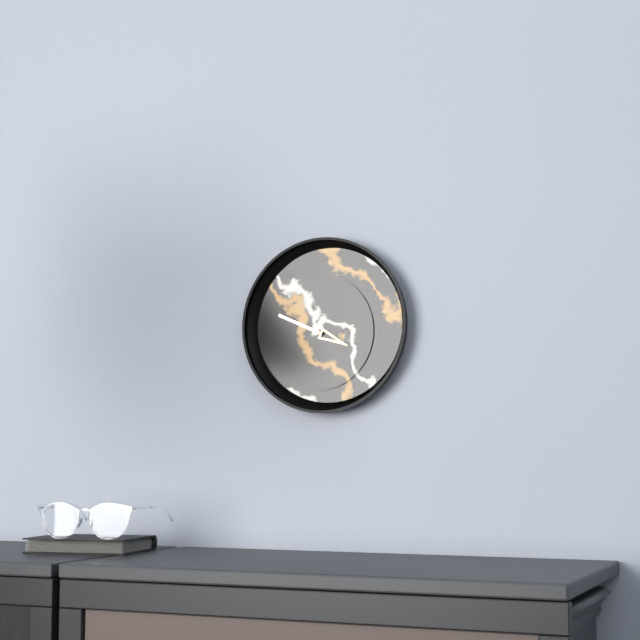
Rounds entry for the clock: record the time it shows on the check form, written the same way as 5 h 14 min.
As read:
3 h 49 min
